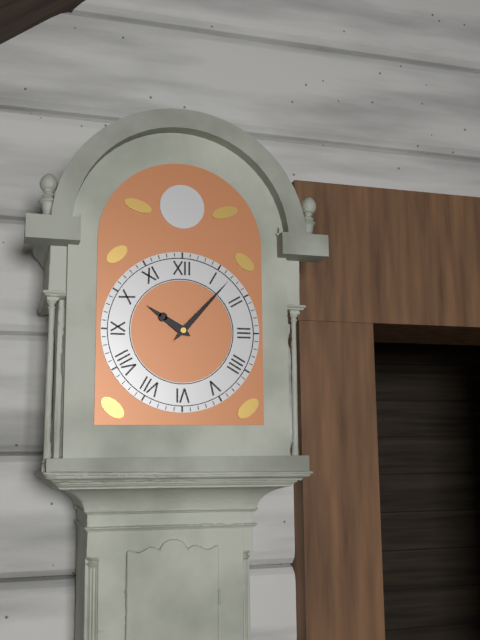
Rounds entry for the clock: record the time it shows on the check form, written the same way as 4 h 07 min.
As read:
10 h 07 min
